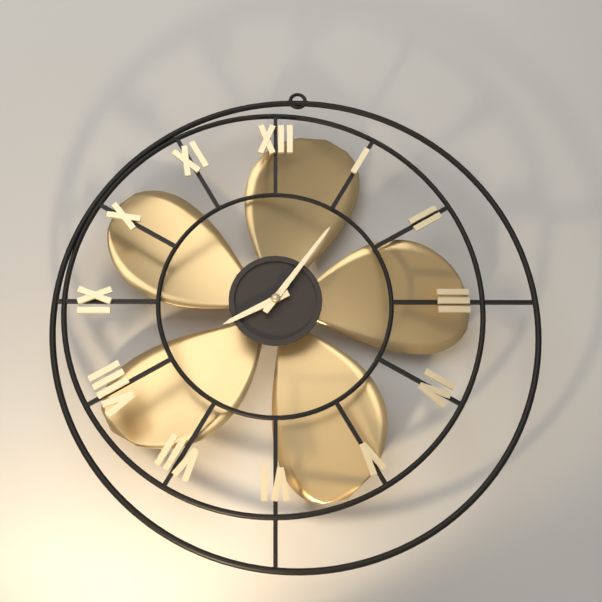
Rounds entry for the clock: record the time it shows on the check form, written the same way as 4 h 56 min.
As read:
8 h 06 min
